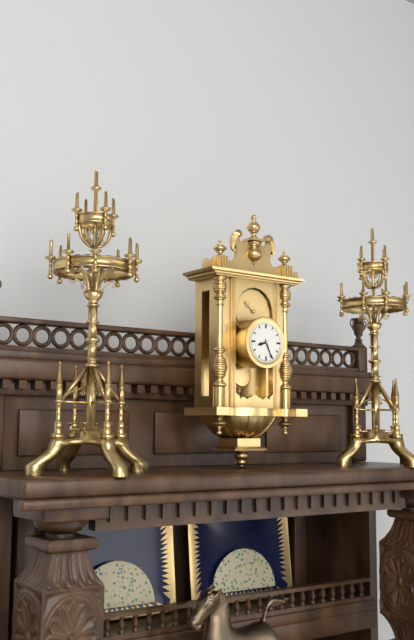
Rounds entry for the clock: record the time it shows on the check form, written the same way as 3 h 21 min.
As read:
8 h 26 min
